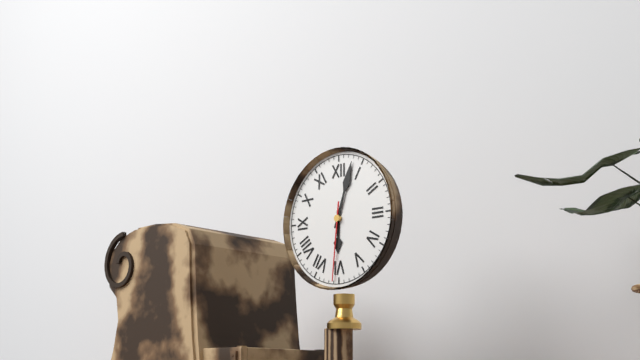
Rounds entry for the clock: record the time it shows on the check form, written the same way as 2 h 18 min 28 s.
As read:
6 h 03 min 31 s
